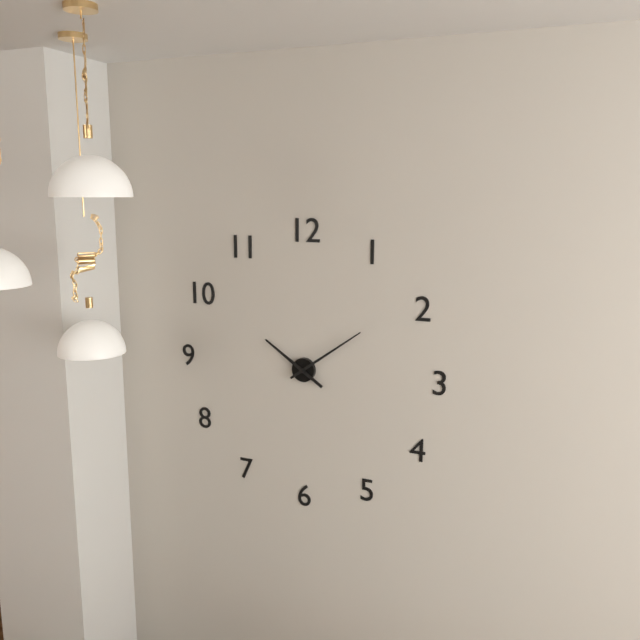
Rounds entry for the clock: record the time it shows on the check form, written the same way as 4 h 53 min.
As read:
10 h 09 min
